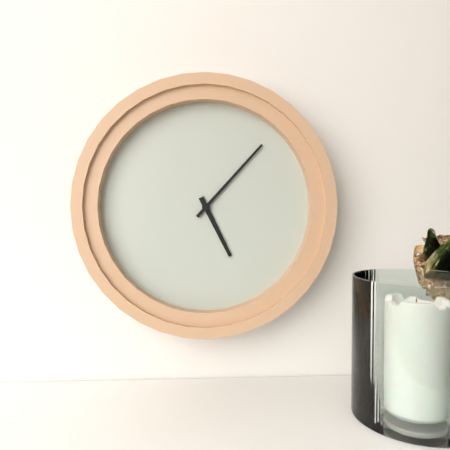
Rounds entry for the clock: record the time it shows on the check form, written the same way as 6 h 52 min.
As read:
5 h 07 min
